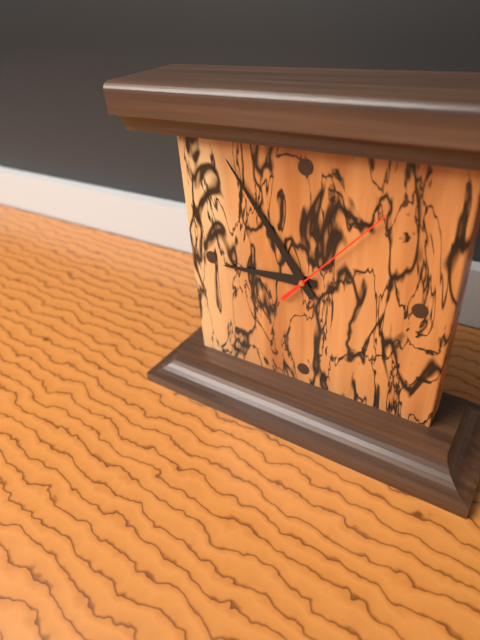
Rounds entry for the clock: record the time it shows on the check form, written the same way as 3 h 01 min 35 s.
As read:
8 h 54 min 07 s
